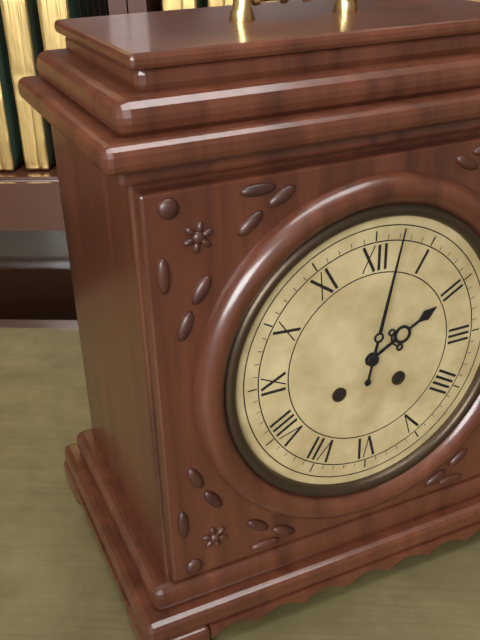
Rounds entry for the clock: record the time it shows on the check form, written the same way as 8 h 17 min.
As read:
2 h 02 min
